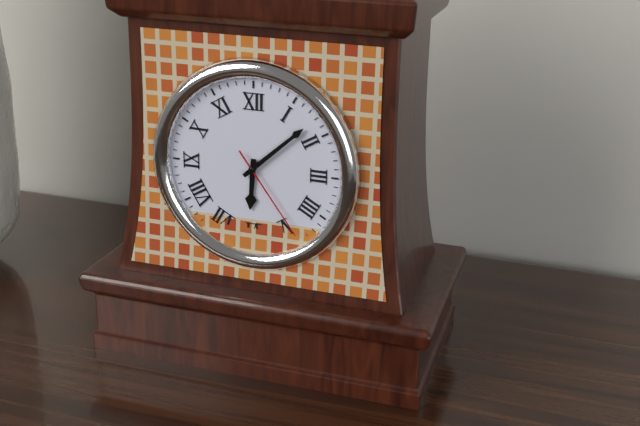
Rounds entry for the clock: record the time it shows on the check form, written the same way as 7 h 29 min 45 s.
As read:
6 h 08 min 24 s
